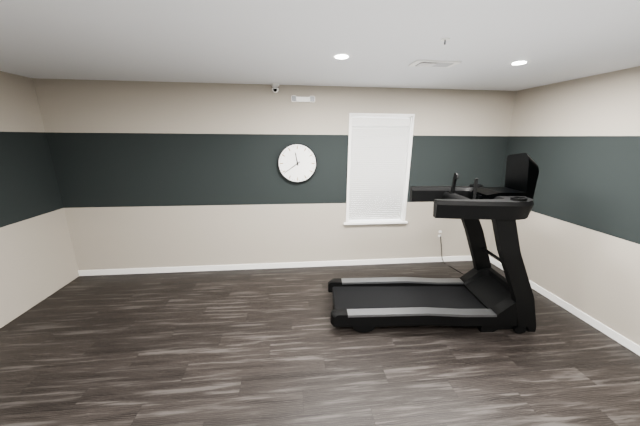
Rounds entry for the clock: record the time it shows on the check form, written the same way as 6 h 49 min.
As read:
11 h 39 min
